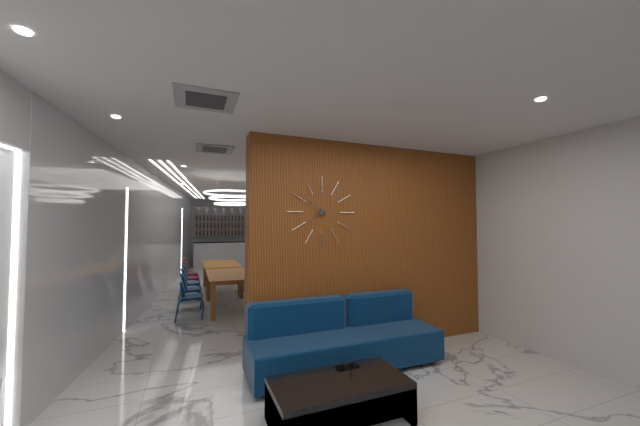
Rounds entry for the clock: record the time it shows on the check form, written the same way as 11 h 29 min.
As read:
7 h 52 min
